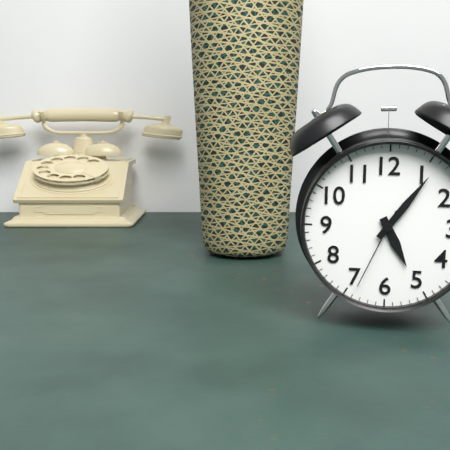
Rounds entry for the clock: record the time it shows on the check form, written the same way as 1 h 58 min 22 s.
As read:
5 h 06 min 34 s
